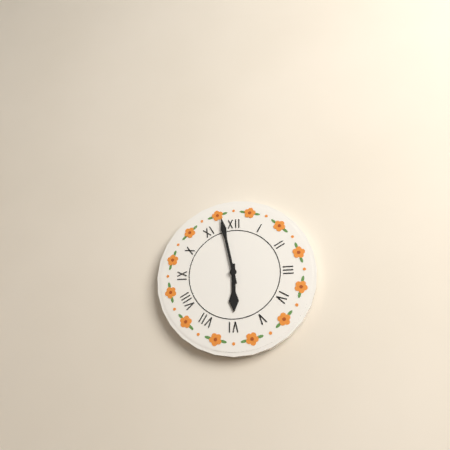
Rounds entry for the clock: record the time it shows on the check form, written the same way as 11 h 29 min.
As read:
5 h 58 min
